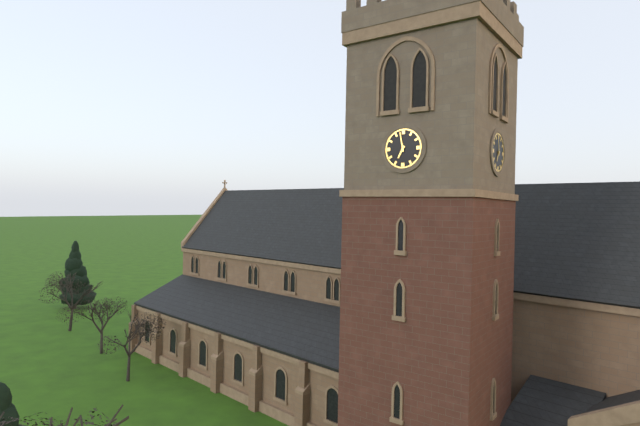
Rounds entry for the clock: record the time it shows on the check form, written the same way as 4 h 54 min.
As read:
6 h 58 min
